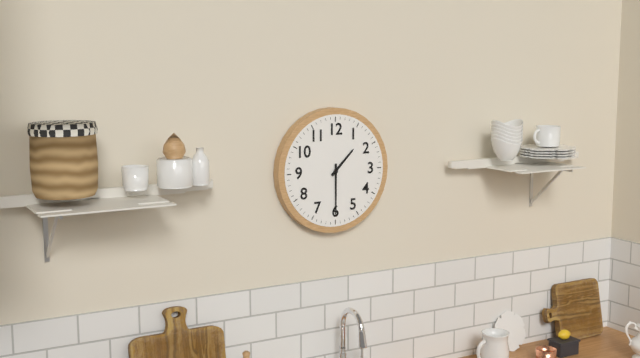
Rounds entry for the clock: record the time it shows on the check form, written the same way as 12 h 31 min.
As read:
1 h 30 min
